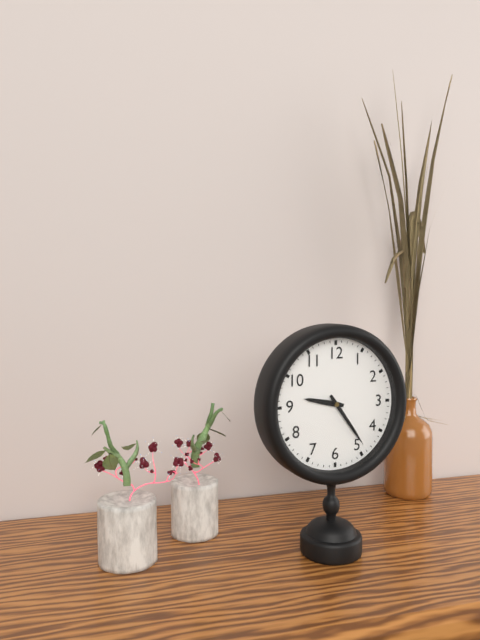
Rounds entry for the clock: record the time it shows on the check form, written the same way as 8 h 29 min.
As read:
9 h 24 min
